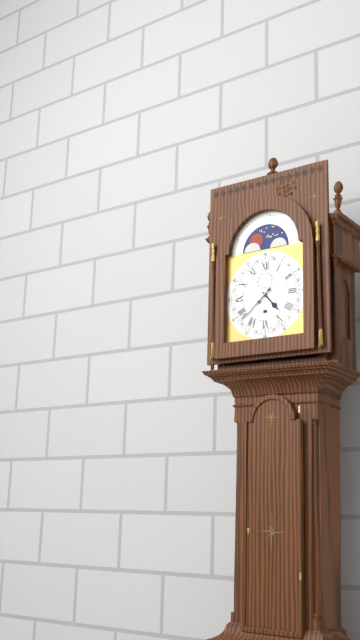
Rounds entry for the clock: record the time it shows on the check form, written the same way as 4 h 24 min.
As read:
4 h 38 min
